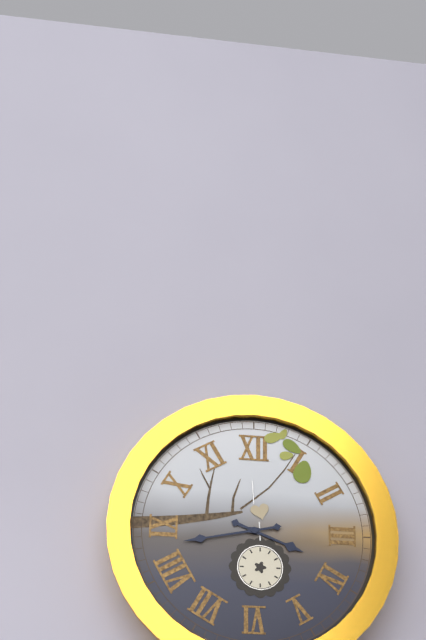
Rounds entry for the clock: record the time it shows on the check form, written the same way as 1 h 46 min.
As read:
3 h 43 min
